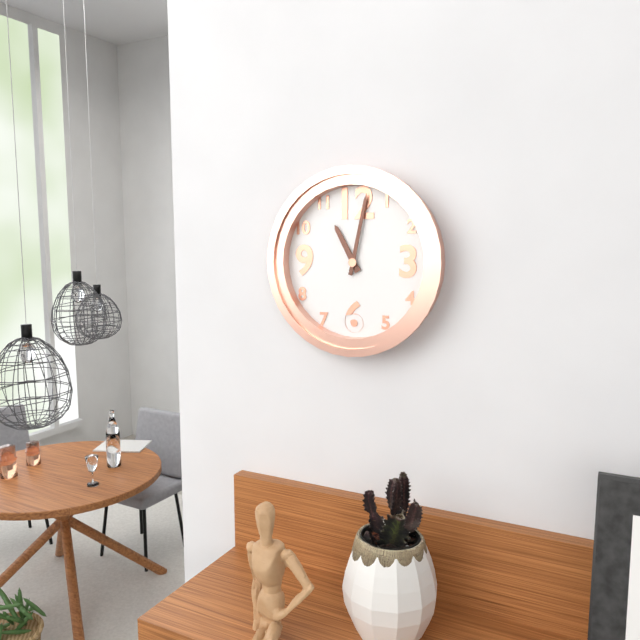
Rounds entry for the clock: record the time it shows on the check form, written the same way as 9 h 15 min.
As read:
11 h 02 min
